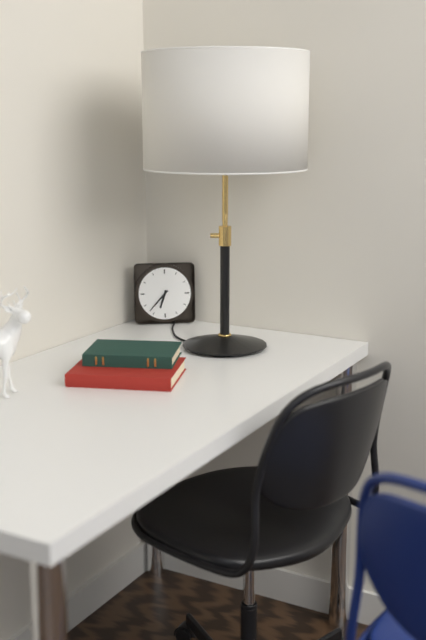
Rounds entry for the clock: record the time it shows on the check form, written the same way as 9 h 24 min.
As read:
6 h 37 min
